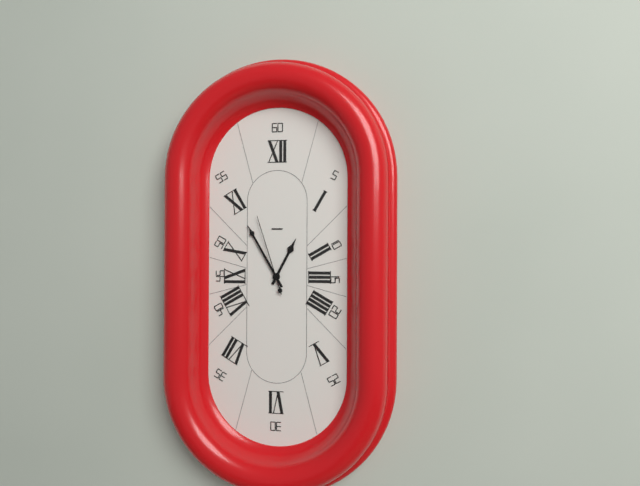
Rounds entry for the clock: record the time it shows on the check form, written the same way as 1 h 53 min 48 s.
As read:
12 h 55 min 57 s
